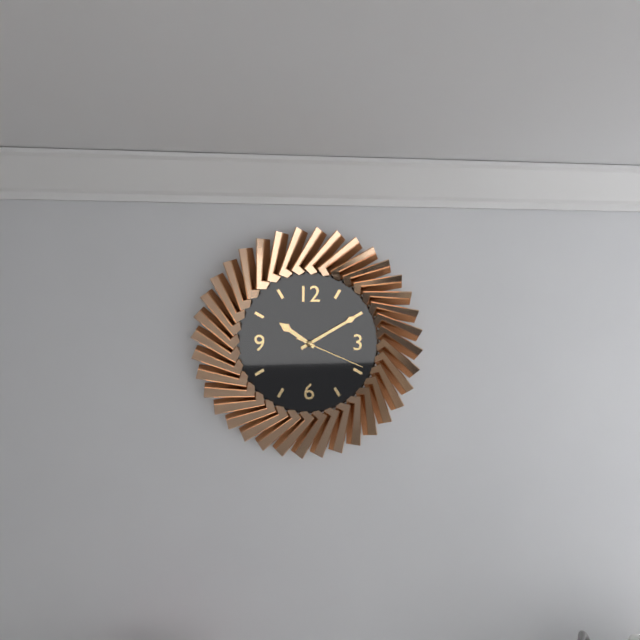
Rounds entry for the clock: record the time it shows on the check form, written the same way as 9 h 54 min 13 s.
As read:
10 h 10 min 19 s
